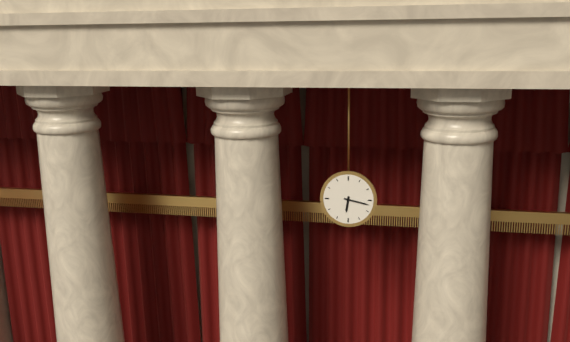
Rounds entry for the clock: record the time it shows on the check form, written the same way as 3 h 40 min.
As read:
6 h 17 min
